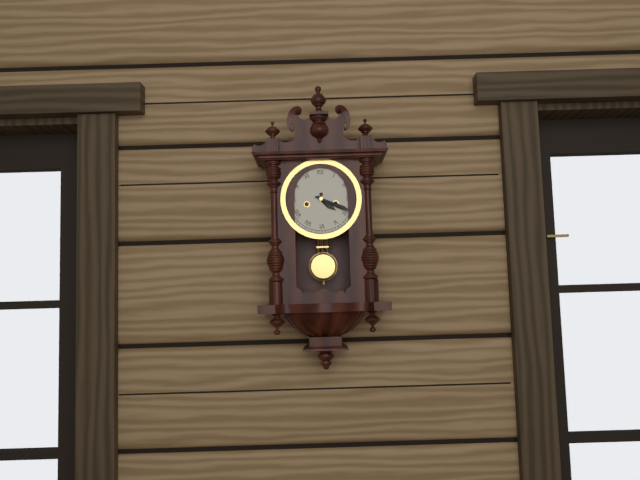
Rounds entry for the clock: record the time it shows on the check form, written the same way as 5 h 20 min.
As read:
4 h 19 min
